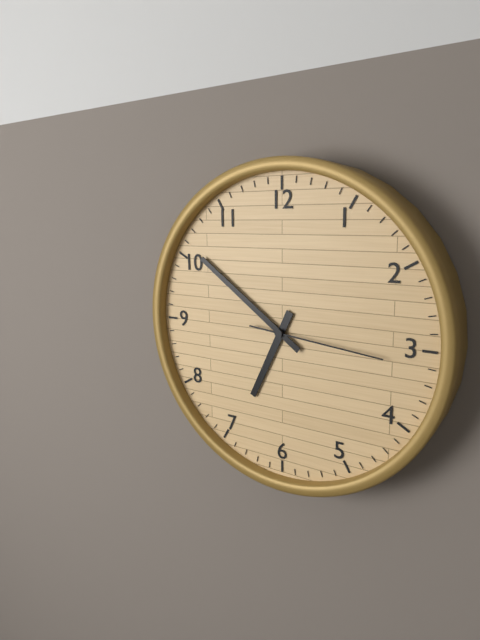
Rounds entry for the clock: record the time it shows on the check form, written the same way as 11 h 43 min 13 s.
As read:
6 h 51 min 16 s
